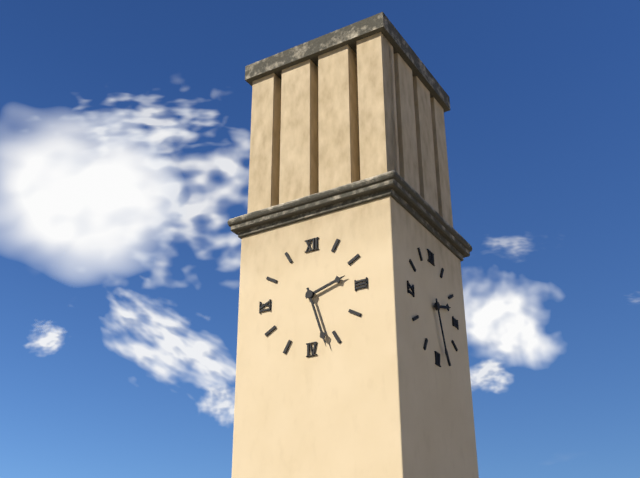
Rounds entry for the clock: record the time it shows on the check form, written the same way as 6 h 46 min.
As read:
2 h 27 min
